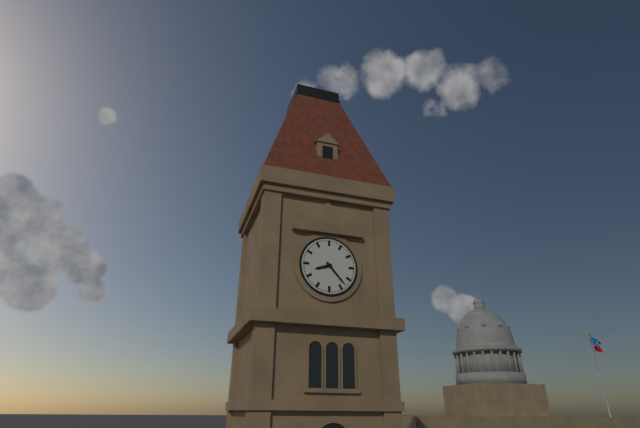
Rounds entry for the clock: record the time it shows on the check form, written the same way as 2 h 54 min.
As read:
8 h 23 min
